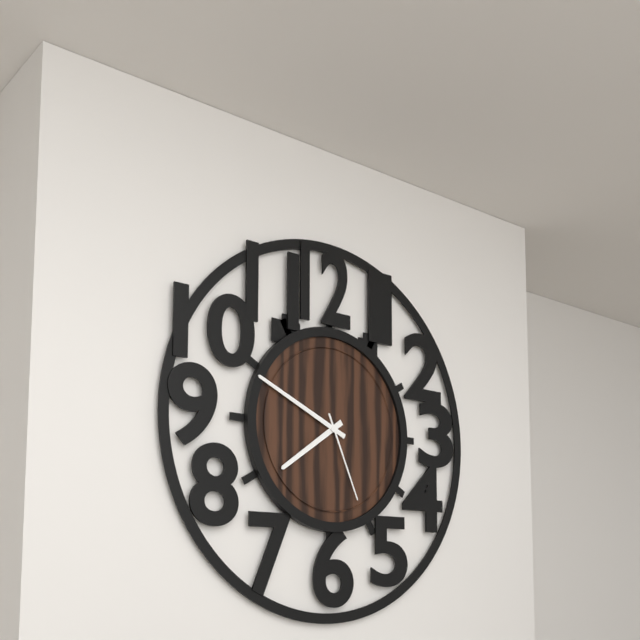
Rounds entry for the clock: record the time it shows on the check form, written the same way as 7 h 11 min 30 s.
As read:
7 h 49 min 26 s
